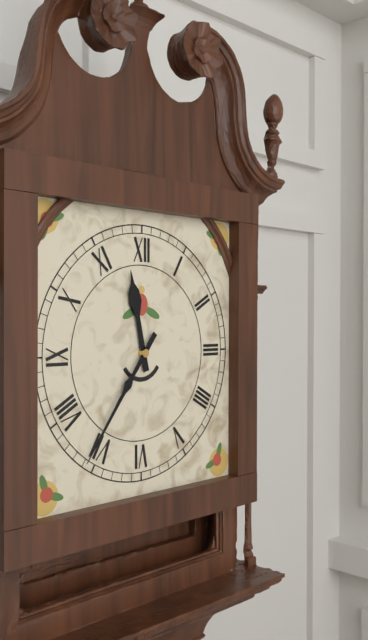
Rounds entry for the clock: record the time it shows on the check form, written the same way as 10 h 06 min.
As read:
11 h 36 min
